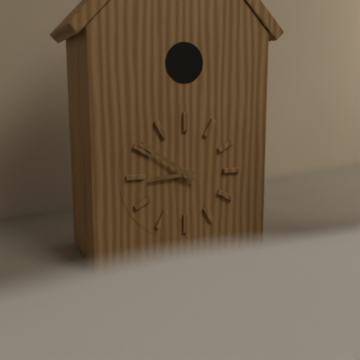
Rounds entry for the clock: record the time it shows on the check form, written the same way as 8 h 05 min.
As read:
8 h 51 min
